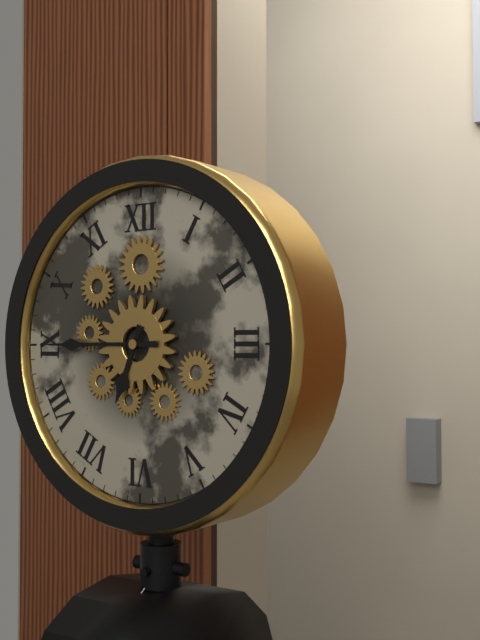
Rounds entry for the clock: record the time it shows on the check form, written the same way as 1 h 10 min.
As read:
6 h 45 min
